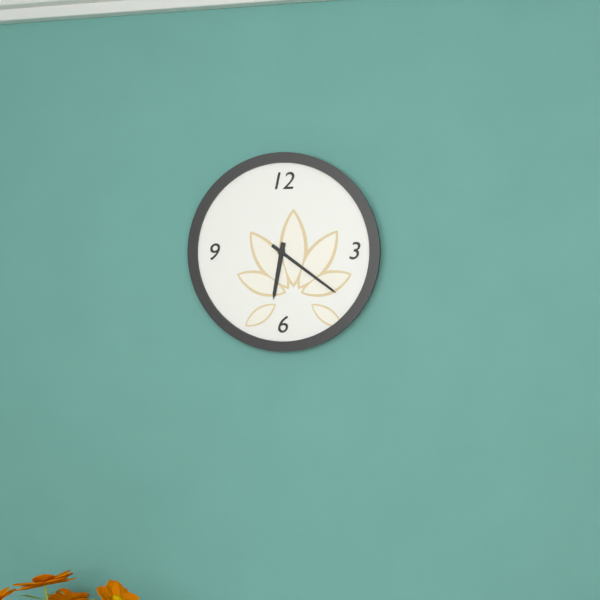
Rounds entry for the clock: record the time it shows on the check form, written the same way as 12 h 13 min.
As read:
6 h 21 min
